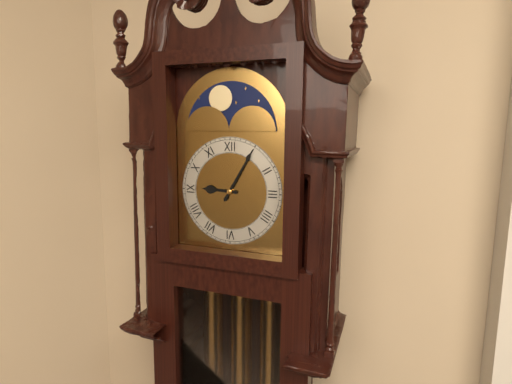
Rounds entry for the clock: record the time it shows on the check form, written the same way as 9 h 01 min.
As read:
9 h 05 min
